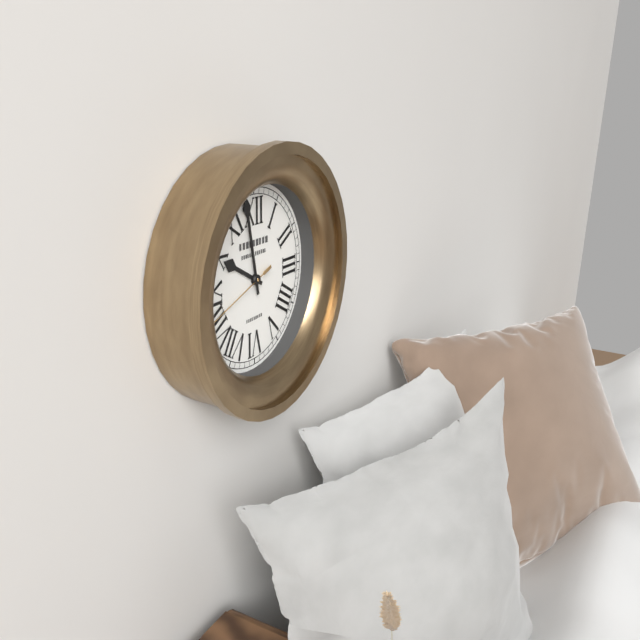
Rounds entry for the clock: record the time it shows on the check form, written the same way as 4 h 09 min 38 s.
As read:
9 h 58 min 42 s
